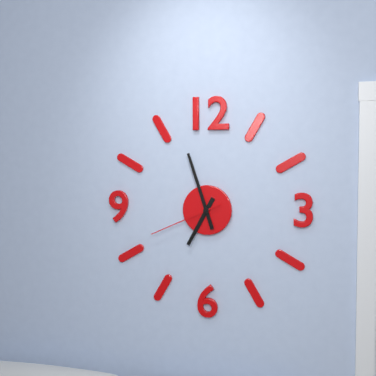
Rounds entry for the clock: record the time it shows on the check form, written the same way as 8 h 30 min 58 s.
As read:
6 h 57 min 41 s
